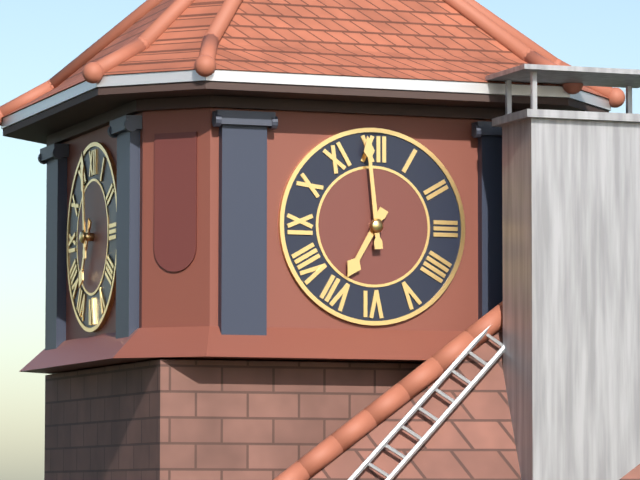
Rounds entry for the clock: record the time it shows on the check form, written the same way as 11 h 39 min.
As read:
6 h 59 min
